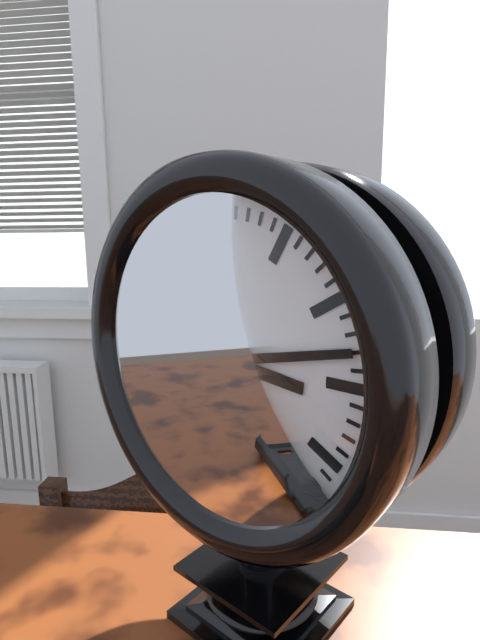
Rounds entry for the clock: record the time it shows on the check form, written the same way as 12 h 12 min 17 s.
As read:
3 h 13 min 00 s
